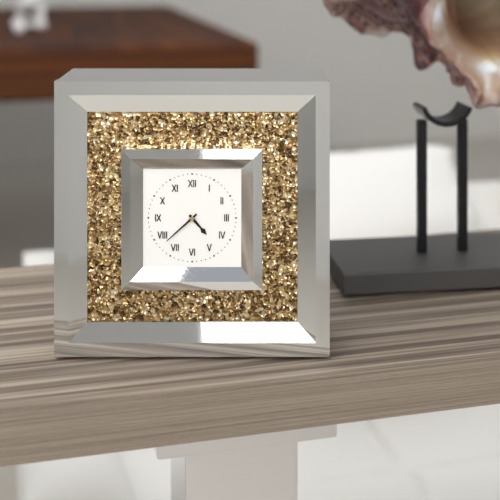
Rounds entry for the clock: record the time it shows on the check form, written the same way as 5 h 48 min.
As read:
4 h 38 min
